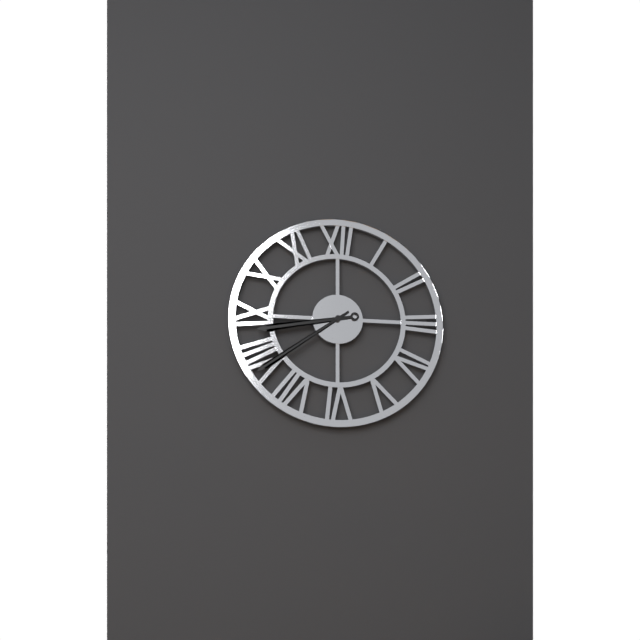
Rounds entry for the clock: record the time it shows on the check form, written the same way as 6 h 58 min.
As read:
8 h 39 min
